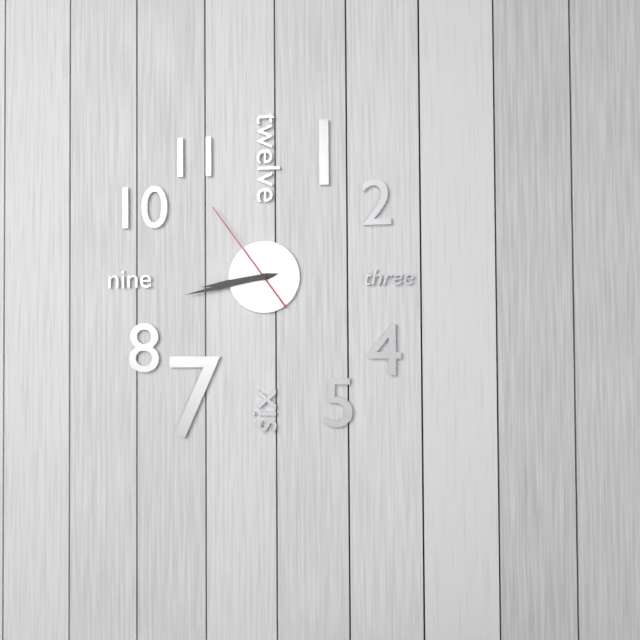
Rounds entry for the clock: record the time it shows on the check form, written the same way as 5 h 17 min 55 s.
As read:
8 h 43 min 54 s
